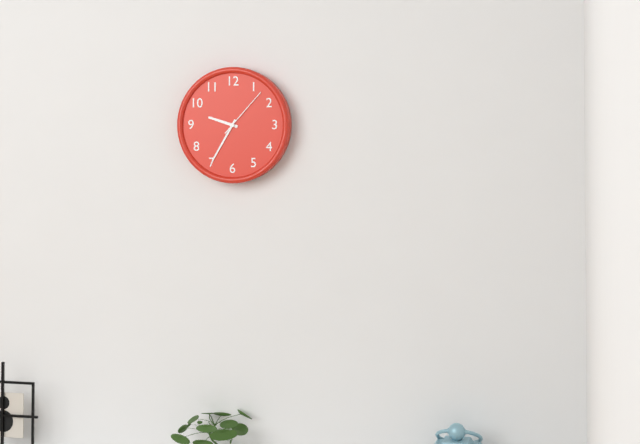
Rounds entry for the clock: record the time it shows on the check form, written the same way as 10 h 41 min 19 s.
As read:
9 h 35 min 07 s
